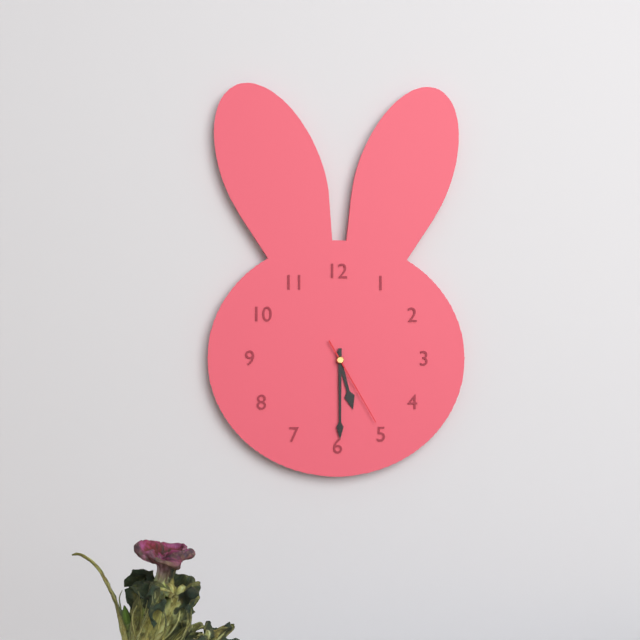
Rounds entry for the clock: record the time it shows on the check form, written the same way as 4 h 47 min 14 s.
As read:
5 h 30 min 25 s
